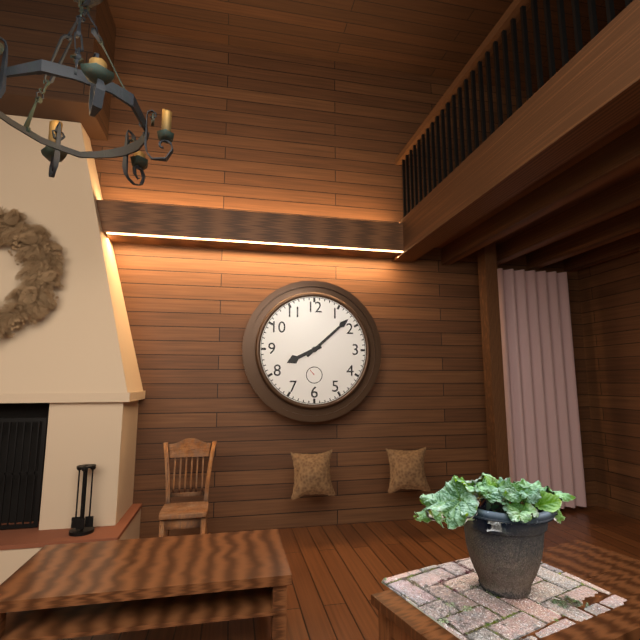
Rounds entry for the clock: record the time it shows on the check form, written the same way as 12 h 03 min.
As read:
8 h 08 min
